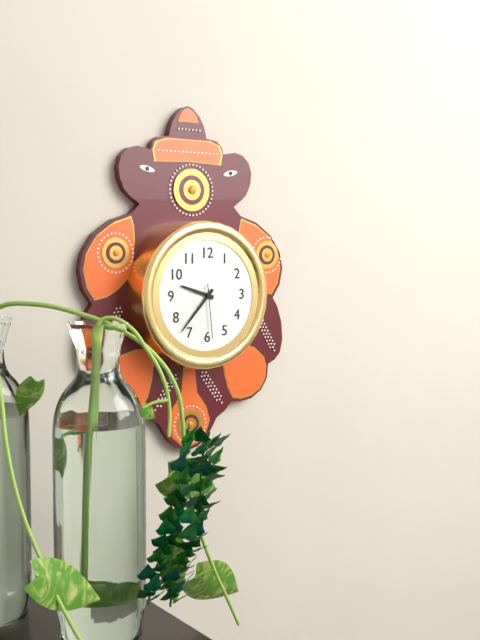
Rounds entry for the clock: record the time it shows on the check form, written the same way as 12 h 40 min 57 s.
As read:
9 h 37 min 29 s
